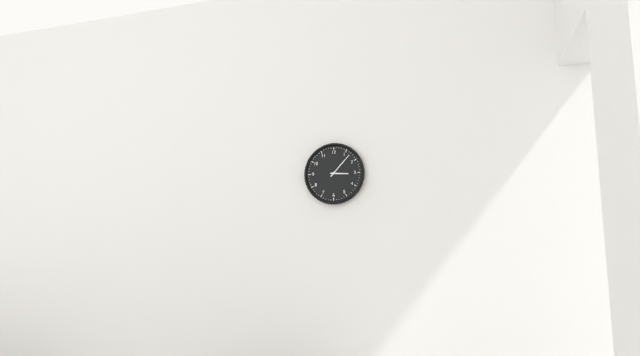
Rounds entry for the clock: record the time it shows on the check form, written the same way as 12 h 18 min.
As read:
3 h 07 min
